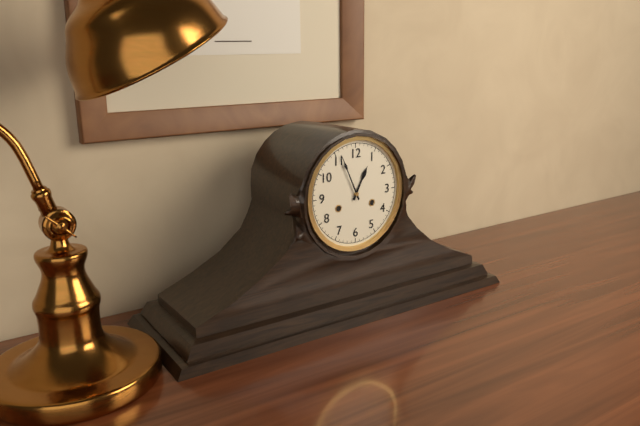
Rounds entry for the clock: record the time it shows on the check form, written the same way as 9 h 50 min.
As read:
12 h 56 min
